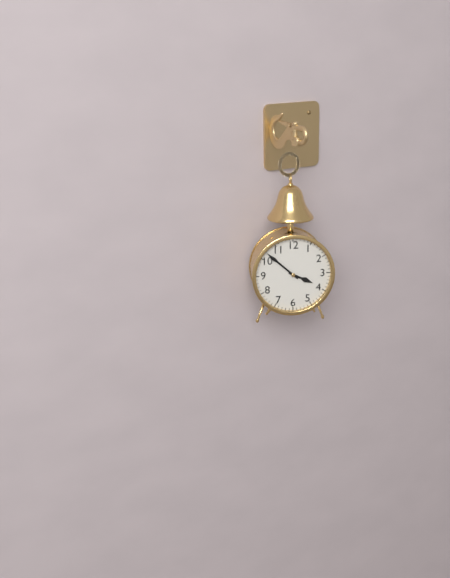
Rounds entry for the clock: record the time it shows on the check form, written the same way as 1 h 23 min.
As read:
3 h 52 min
